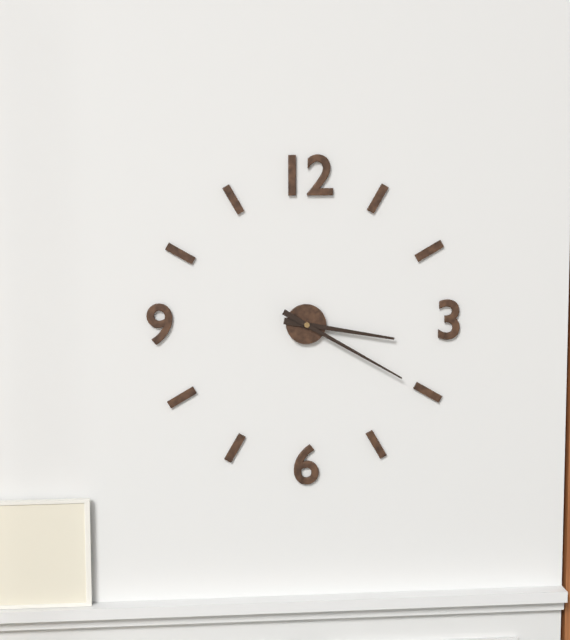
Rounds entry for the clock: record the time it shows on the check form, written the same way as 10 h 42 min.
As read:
3 h 20 min
